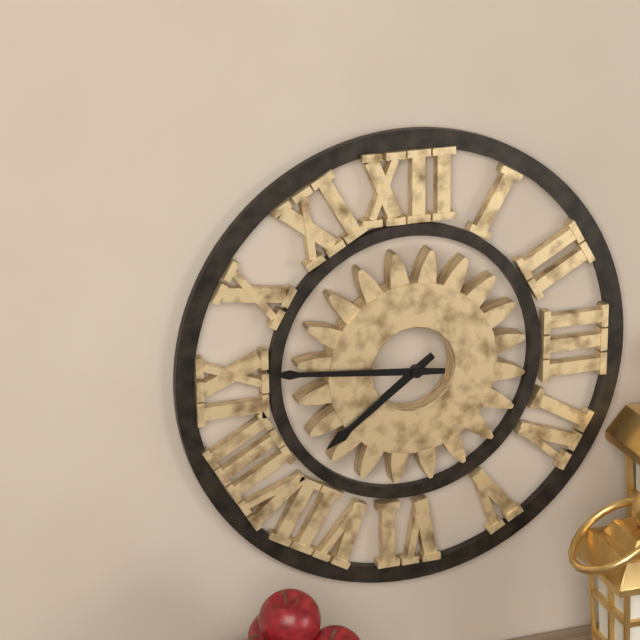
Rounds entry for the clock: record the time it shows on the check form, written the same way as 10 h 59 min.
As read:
7 h 46 min
